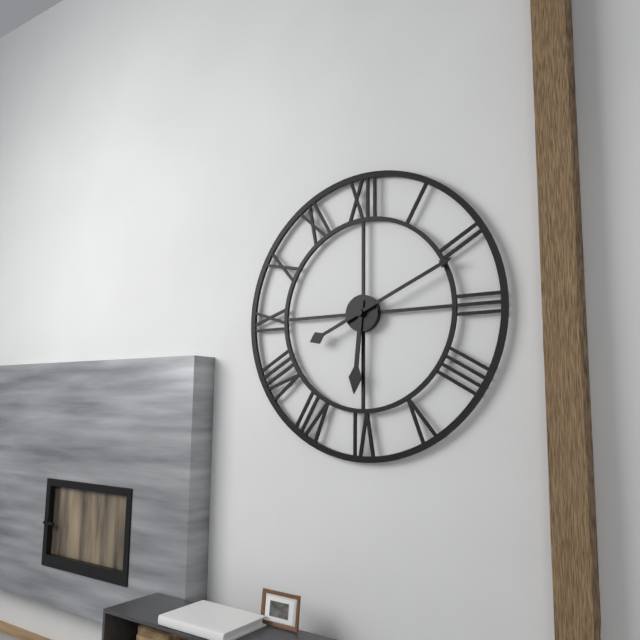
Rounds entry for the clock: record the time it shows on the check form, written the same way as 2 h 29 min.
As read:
6 h 11 min
